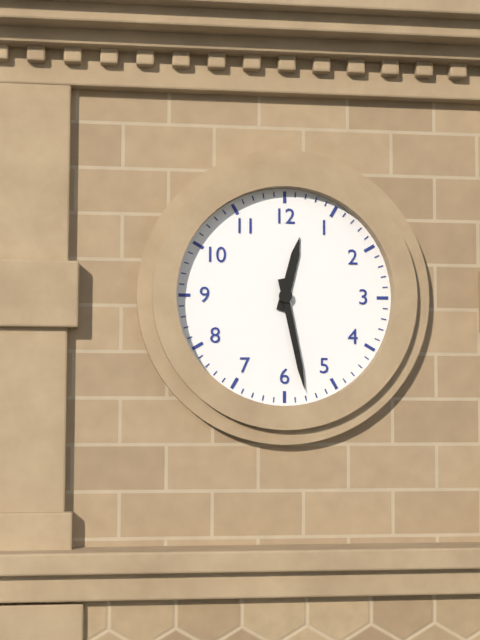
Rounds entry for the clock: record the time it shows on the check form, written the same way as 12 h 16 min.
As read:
12 h 28 min
